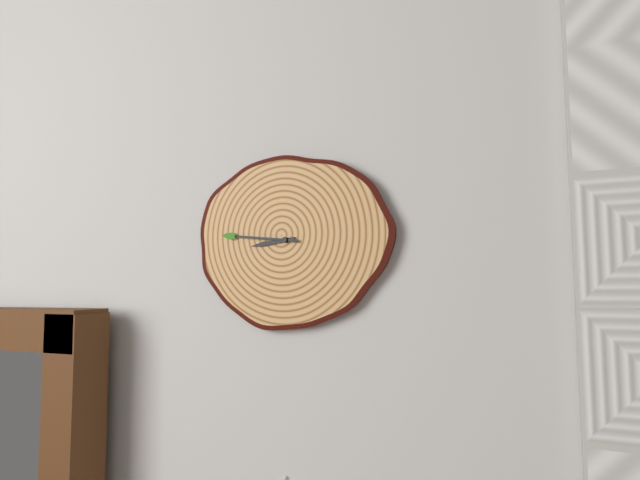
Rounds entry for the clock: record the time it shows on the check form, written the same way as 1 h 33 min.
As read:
8 h 46 min
